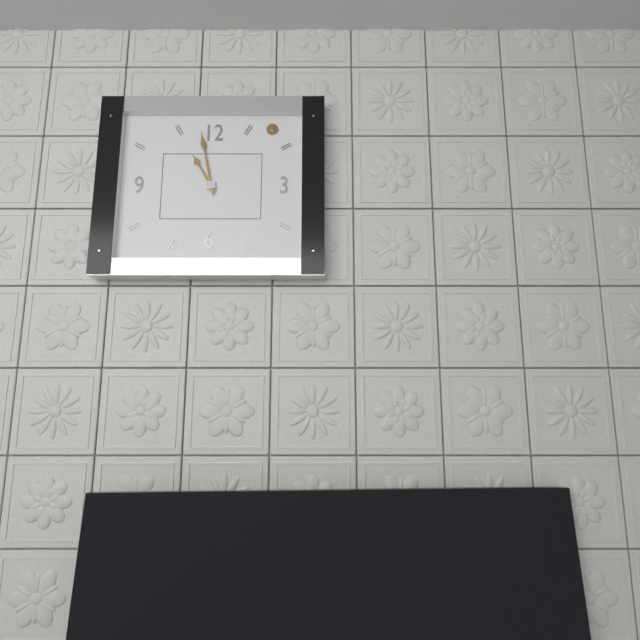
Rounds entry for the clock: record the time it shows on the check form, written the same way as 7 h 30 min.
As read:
10 h 58 min
